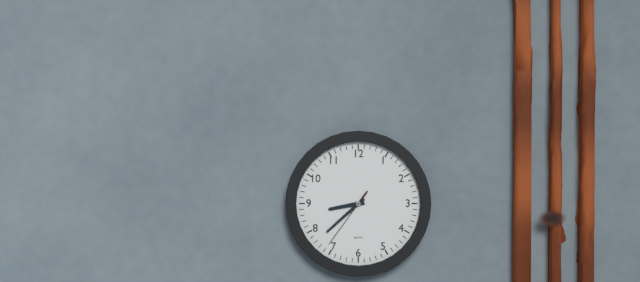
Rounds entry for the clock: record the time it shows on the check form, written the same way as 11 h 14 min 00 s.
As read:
8 h 38 min 36 s
